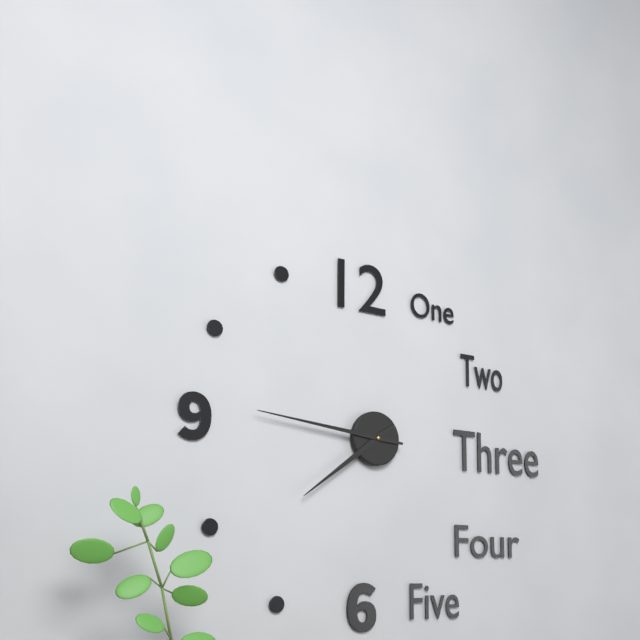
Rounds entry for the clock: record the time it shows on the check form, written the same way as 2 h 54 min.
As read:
7 h 46 min
